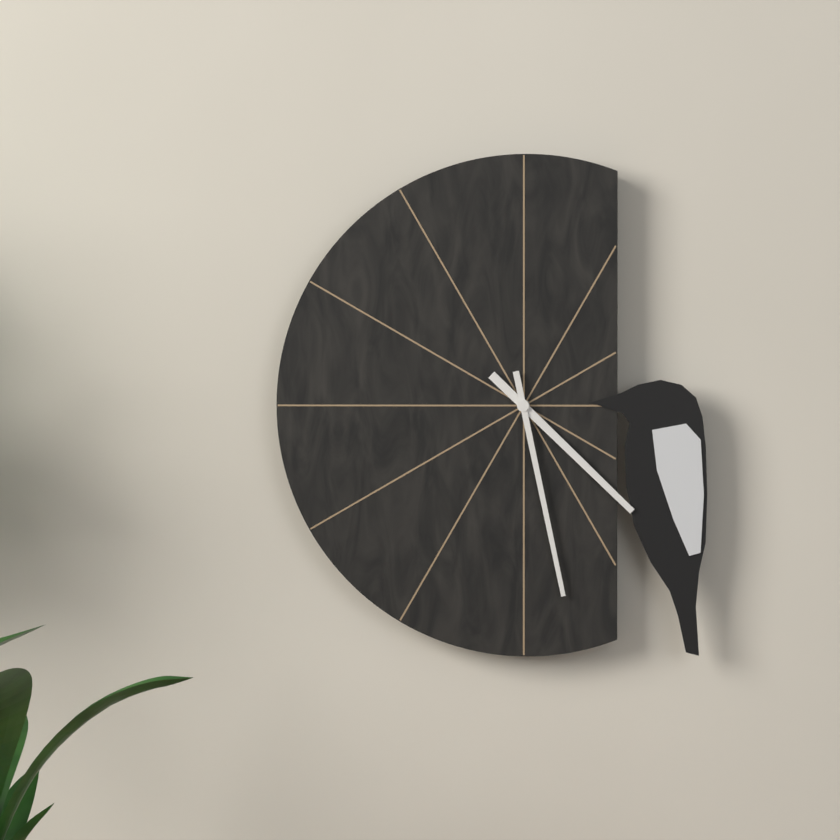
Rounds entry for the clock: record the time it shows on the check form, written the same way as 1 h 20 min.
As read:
4 h 28 min
